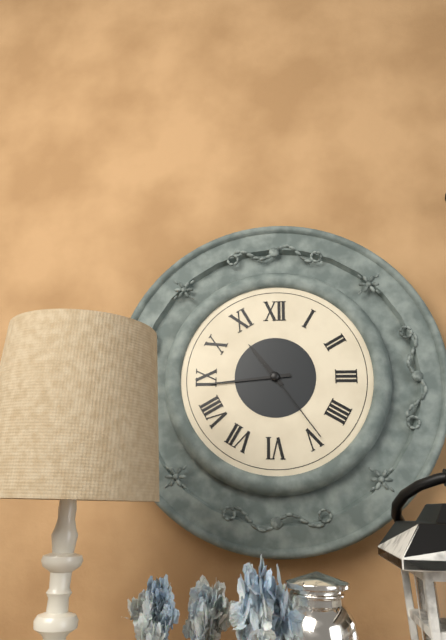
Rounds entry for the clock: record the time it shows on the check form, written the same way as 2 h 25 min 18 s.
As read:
10 h 44 min 24 s
